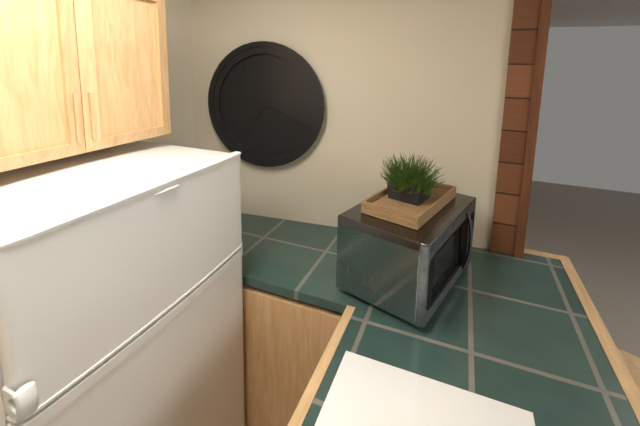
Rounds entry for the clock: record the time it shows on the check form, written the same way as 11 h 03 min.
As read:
7 h 19 min
